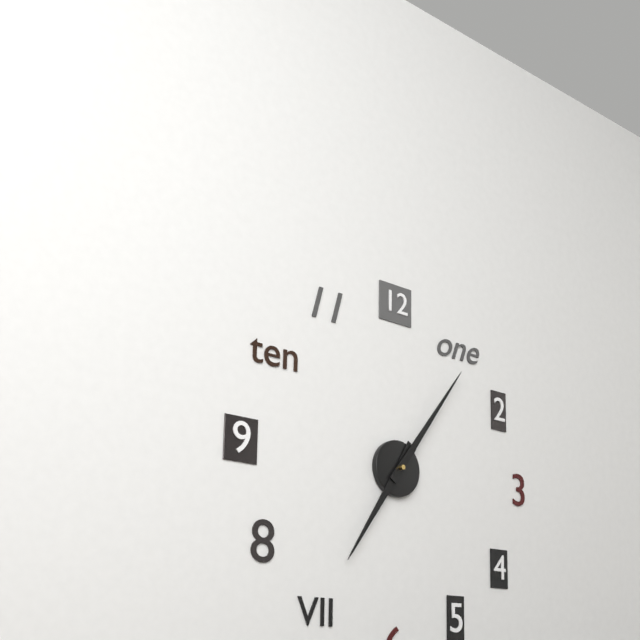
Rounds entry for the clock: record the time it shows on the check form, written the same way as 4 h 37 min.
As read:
7 h 06 min
